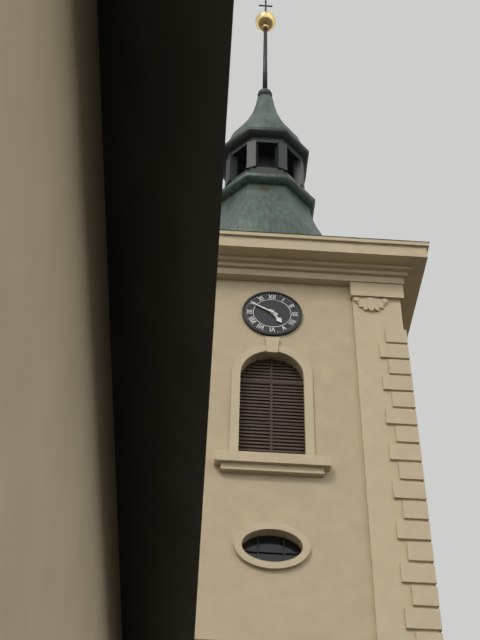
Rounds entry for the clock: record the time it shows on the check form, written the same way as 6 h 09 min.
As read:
4 h 50 min
